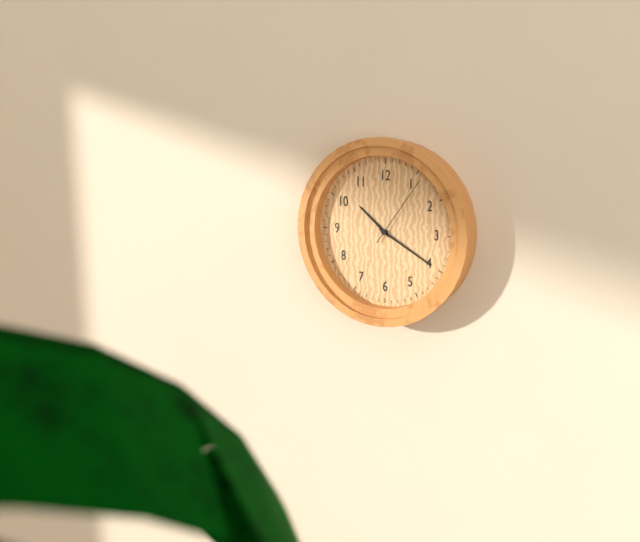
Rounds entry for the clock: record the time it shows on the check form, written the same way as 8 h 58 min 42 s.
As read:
10 h 20 min 06 s
